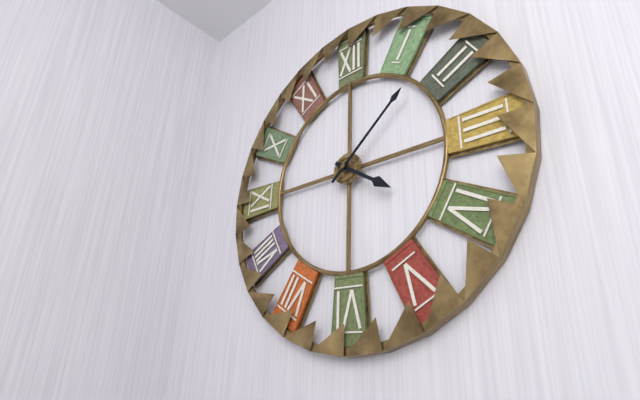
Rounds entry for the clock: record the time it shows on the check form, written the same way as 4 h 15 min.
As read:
4 h 08 min
